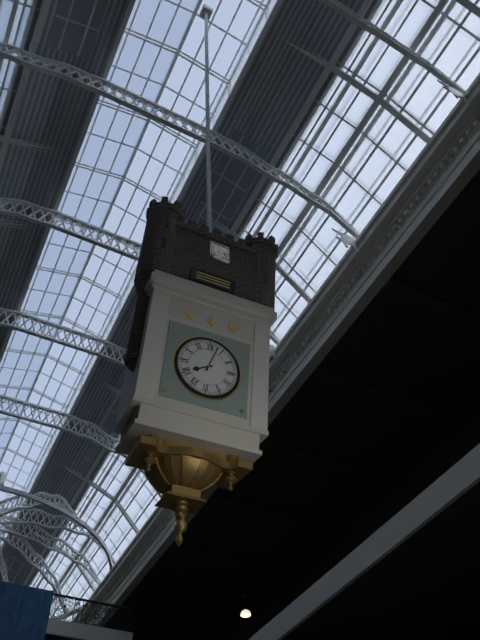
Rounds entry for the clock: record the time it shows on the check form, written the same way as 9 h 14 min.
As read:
8 h 03 min
